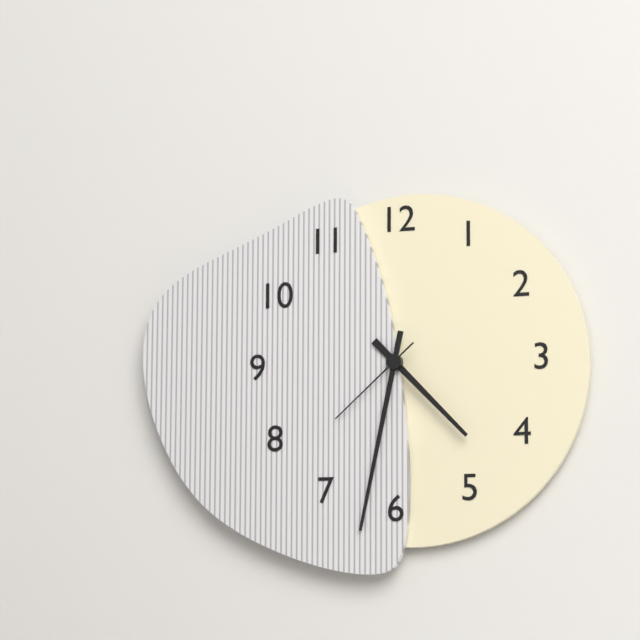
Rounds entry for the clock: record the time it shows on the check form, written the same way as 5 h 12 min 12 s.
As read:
4 h 32 min 38 s
